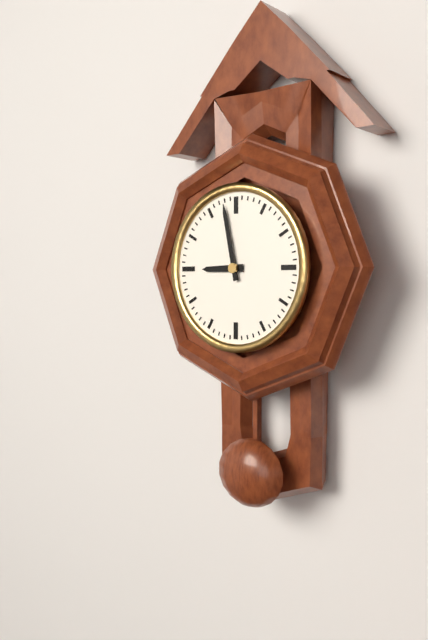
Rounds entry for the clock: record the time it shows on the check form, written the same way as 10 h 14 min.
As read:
8 h 58 min
